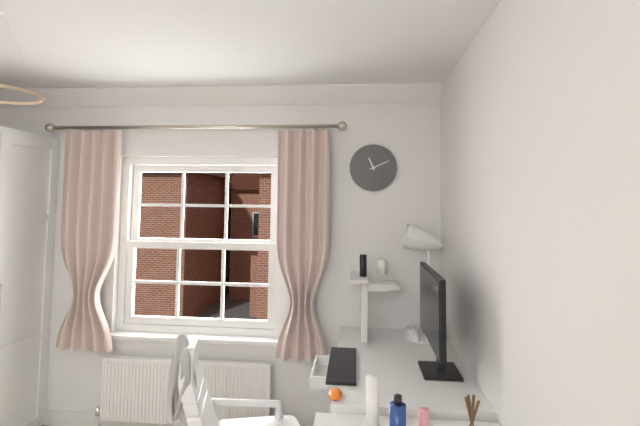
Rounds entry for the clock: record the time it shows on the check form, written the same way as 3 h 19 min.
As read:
11 h 11 min
